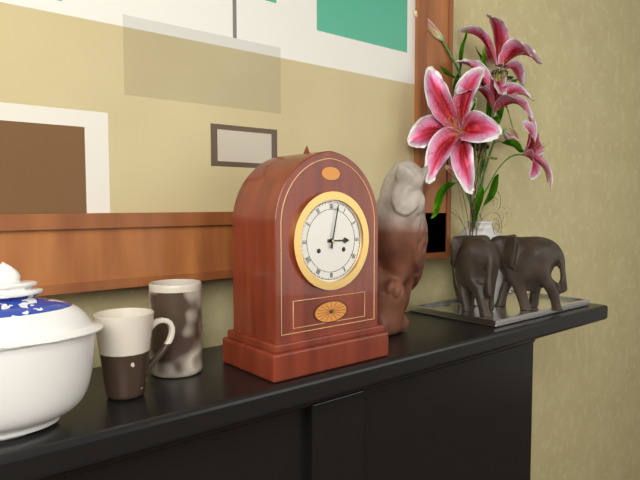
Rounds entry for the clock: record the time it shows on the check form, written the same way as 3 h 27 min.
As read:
3 h 02 min
